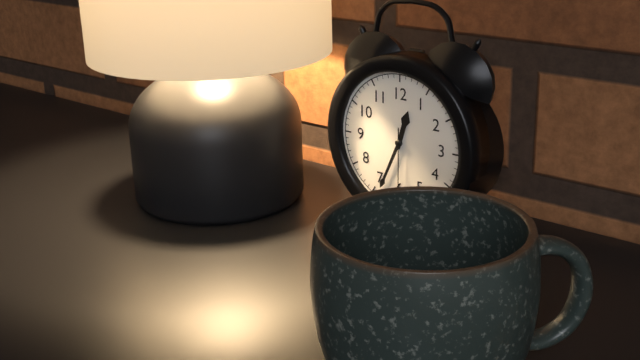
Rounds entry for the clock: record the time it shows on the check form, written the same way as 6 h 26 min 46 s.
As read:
12 h 34 min 30 s
